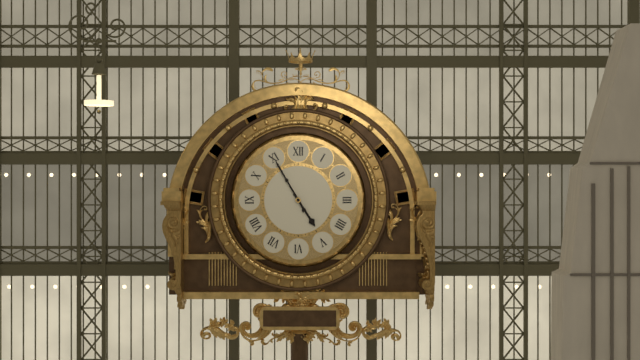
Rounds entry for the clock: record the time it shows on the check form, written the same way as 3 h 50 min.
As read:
4 h 55 min
